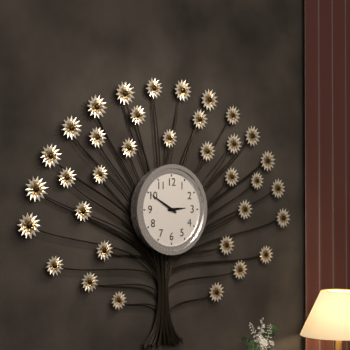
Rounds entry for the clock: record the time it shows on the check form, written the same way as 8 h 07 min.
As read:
2 h 50 min
